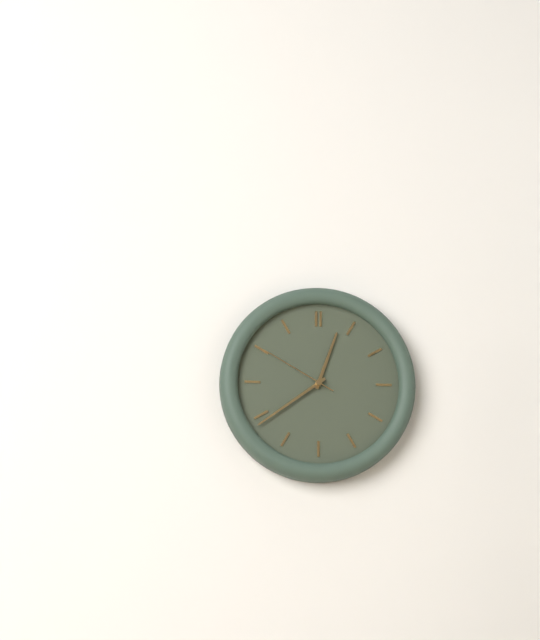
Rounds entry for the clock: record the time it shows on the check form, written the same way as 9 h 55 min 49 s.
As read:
12 h 39 min 50 s
